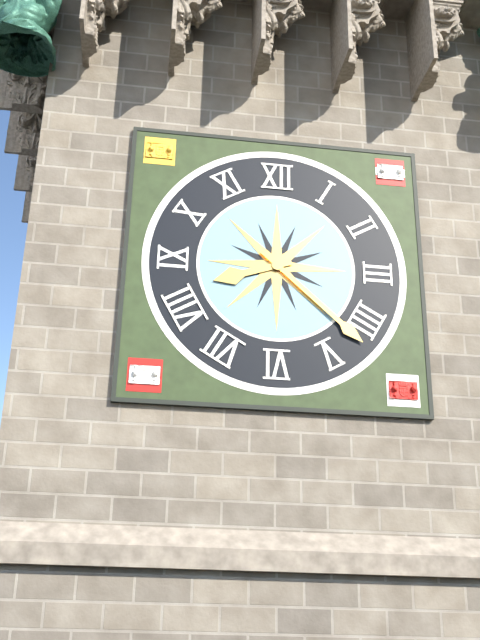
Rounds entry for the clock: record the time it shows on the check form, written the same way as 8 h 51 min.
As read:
8 h 22 min
